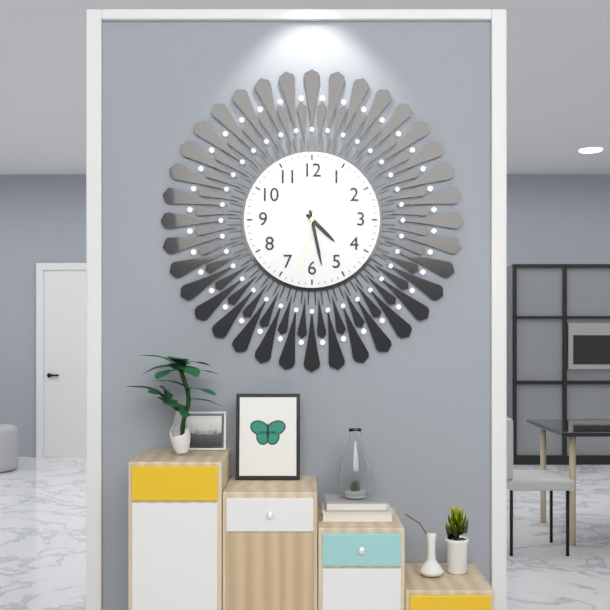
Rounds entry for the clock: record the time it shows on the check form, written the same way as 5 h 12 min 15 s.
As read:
4 h 28 min 32 s
